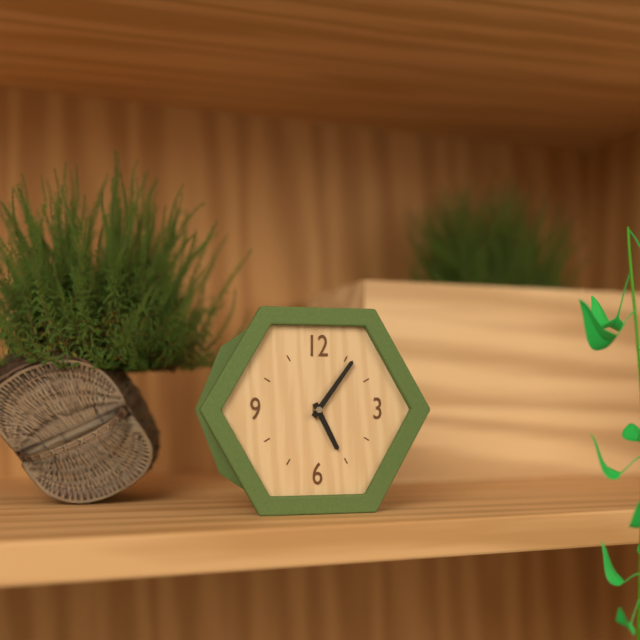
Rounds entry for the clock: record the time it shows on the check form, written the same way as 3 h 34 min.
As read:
5 h 06 min
